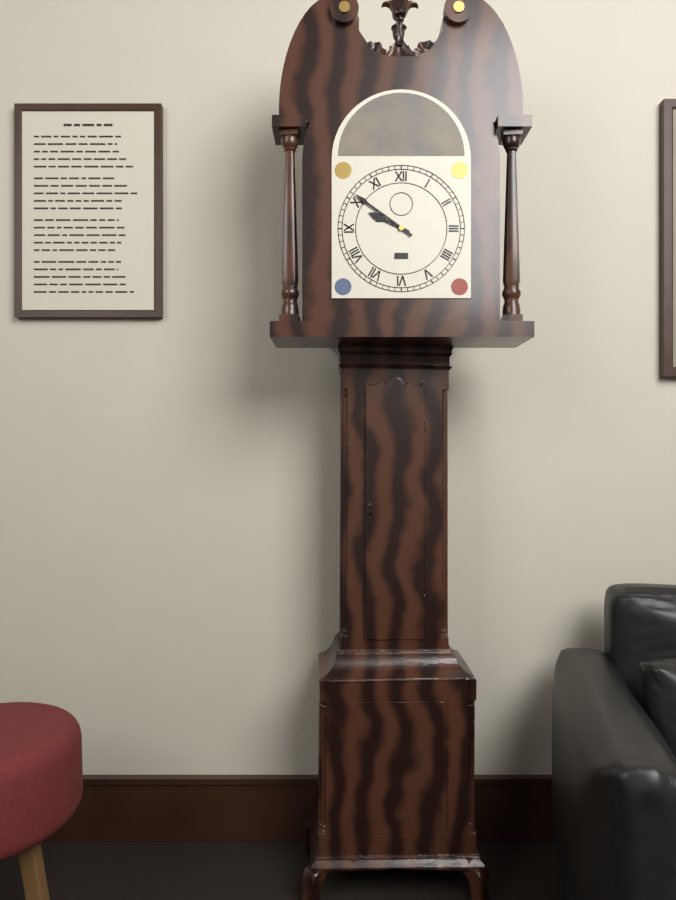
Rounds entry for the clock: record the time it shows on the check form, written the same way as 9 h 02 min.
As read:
9 h 51 min
